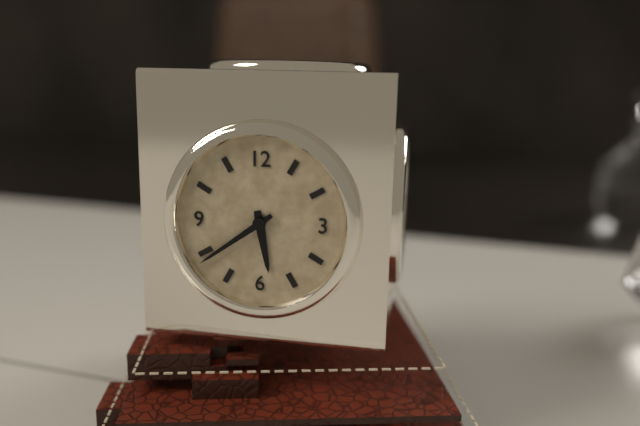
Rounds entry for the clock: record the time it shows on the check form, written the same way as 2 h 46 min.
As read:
5 h 39 min
